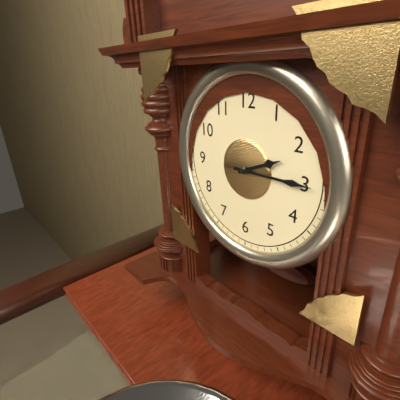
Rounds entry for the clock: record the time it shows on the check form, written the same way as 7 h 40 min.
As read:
2 h 15 min
